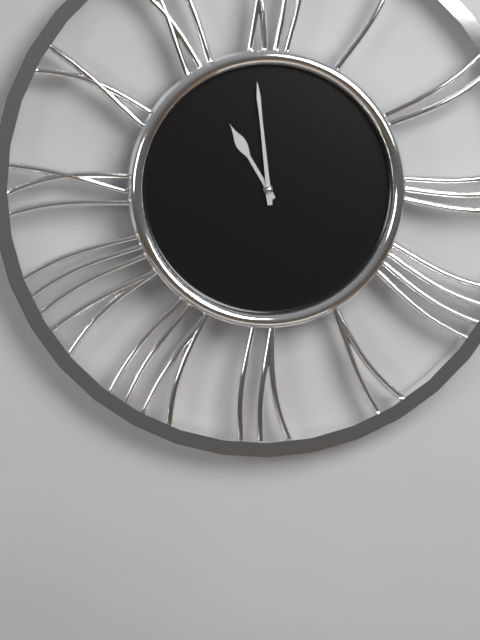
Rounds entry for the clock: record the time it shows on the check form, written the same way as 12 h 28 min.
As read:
10 h 59 min
